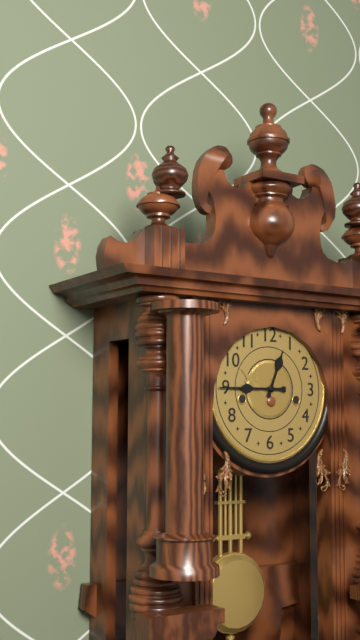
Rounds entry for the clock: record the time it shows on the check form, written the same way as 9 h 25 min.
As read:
12 h 45 min
